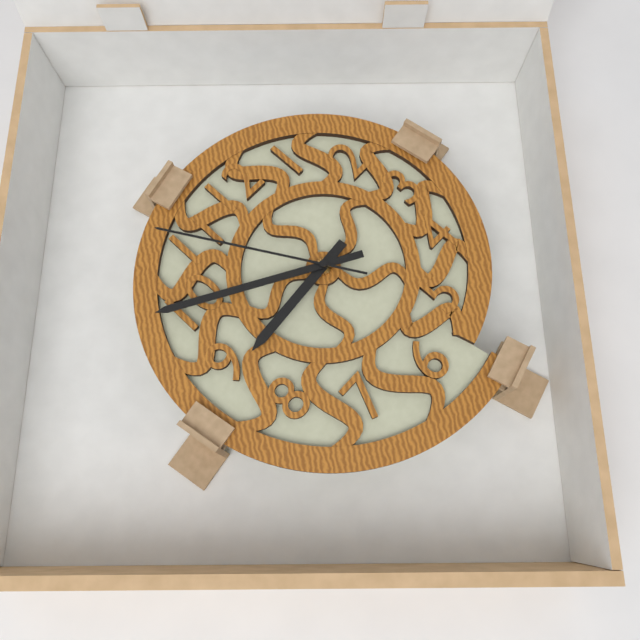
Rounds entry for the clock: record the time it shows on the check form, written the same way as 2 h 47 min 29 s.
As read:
8 h 50 min 55 s
